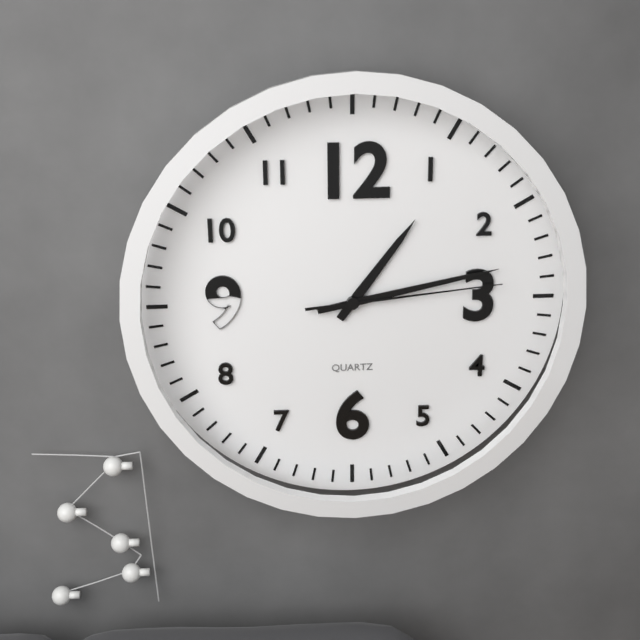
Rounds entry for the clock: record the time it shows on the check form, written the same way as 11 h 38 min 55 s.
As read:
1 h 13 min 14 s
